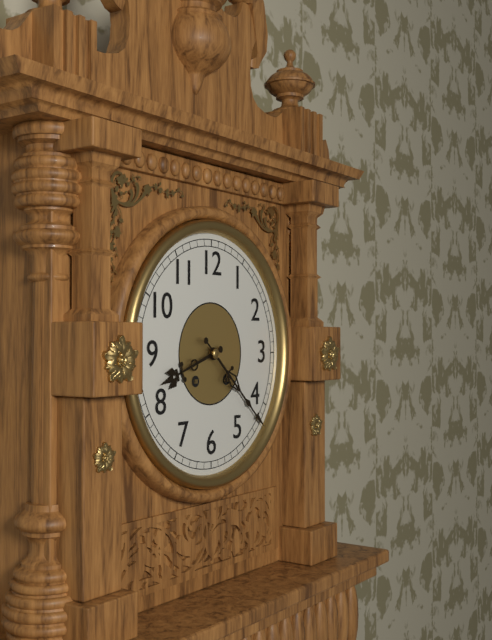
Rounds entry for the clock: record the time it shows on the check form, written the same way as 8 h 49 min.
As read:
8 h 22 min
